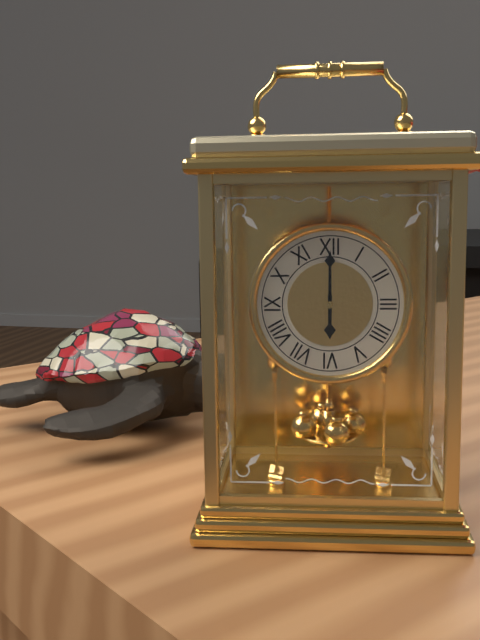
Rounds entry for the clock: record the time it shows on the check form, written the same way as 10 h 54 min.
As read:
6 h 00 min
